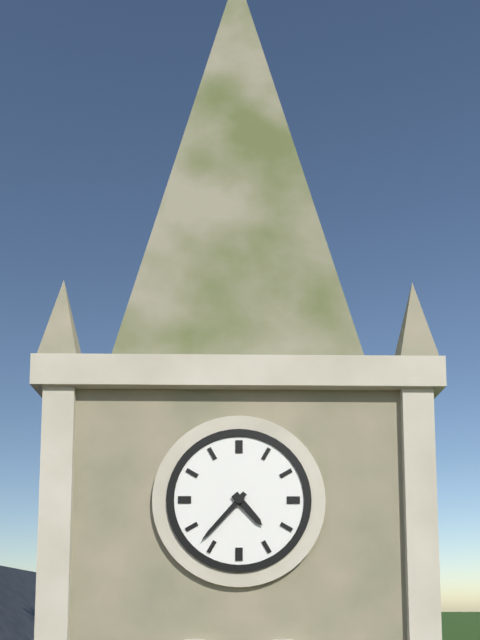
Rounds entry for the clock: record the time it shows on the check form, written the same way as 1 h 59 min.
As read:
4 h 37 min
